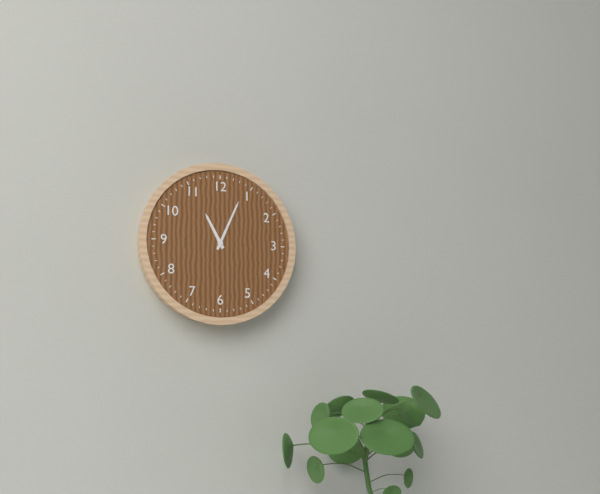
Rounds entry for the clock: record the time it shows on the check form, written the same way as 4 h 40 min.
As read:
11 h 04 min
